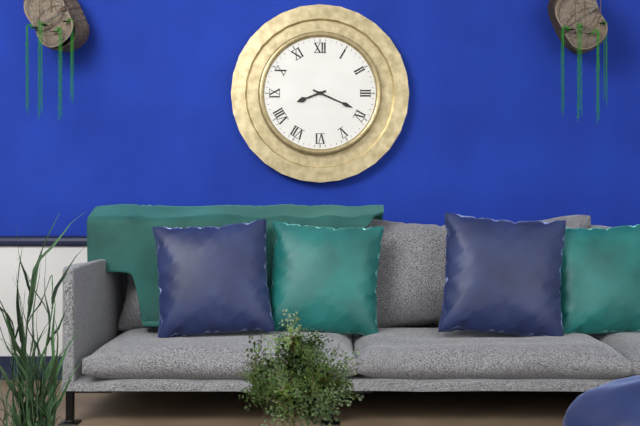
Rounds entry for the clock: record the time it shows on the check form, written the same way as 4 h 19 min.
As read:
8 h 19 min
